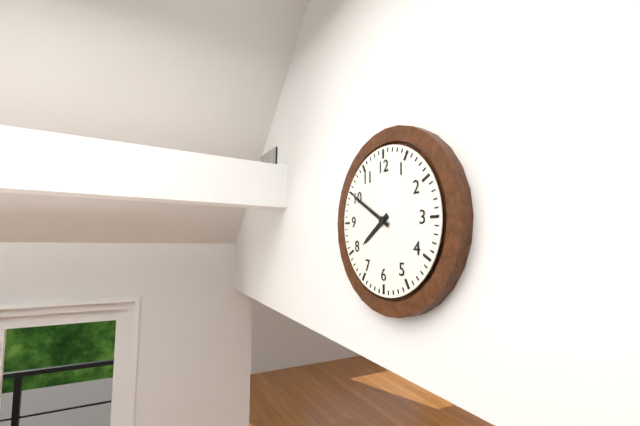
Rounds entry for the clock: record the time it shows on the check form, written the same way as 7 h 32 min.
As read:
7 h 50 min
